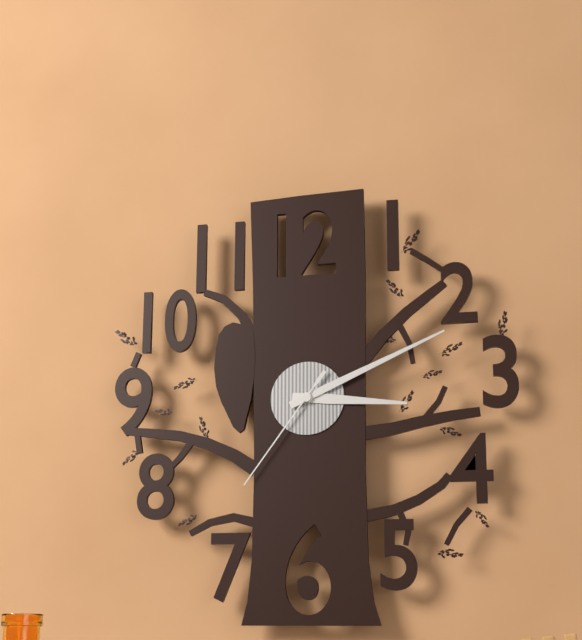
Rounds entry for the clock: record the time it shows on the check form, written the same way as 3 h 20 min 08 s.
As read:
3 h 11 min 36 s
